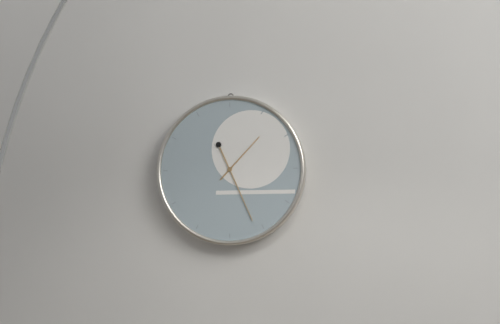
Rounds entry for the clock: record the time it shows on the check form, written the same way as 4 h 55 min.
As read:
1 h 26 min
